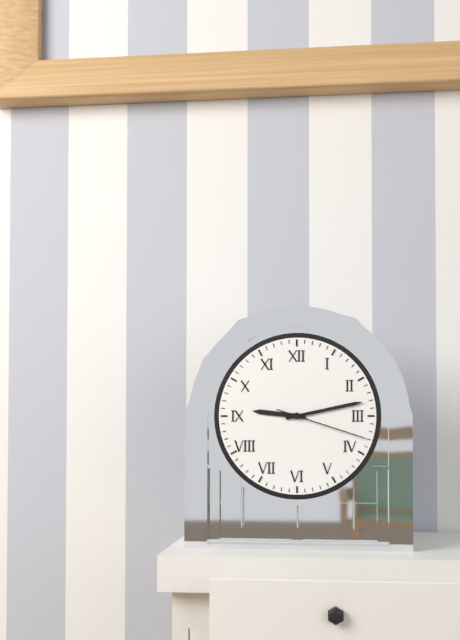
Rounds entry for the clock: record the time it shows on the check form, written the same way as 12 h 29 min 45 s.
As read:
9 h 13 min 18 s
